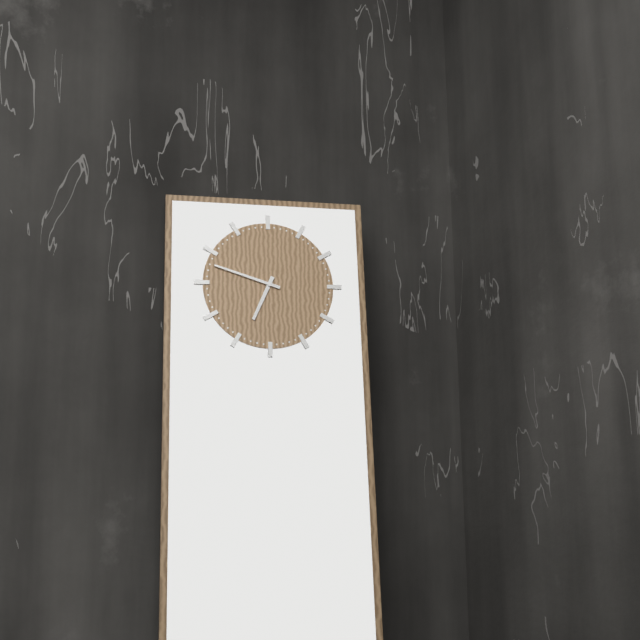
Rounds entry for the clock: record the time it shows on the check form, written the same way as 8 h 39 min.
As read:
6 h 48 min
